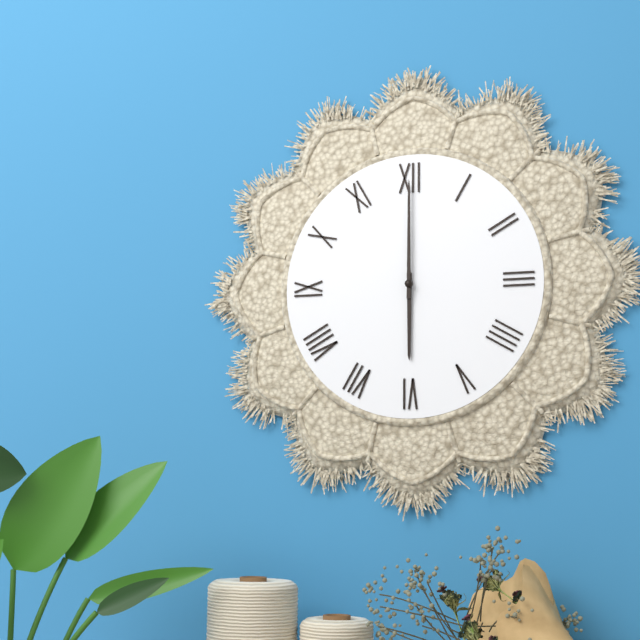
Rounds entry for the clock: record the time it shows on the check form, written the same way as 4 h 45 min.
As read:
6 h 00 min
